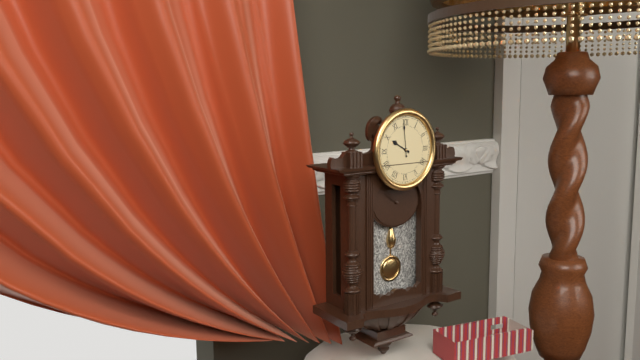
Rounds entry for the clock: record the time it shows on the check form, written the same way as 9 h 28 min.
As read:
9 h 59 min
